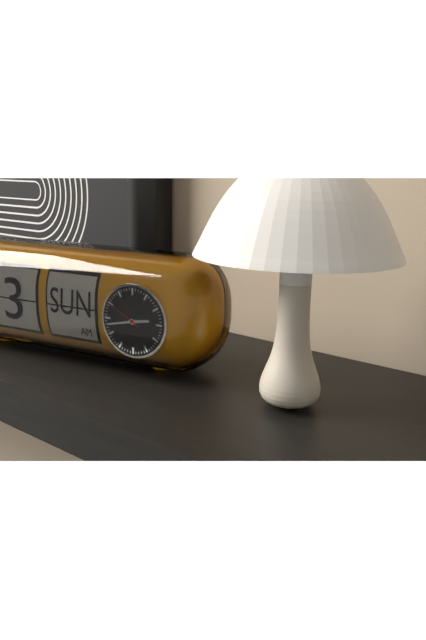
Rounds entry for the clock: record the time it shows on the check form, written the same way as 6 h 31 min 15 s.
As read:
2 h 43 min 50 s
